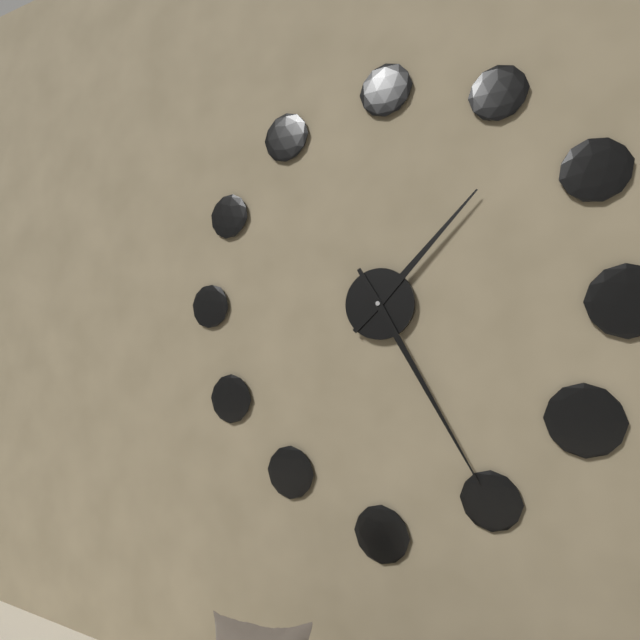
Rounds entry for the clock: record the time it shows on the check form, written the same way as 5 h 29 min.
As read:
1 h 25 min
